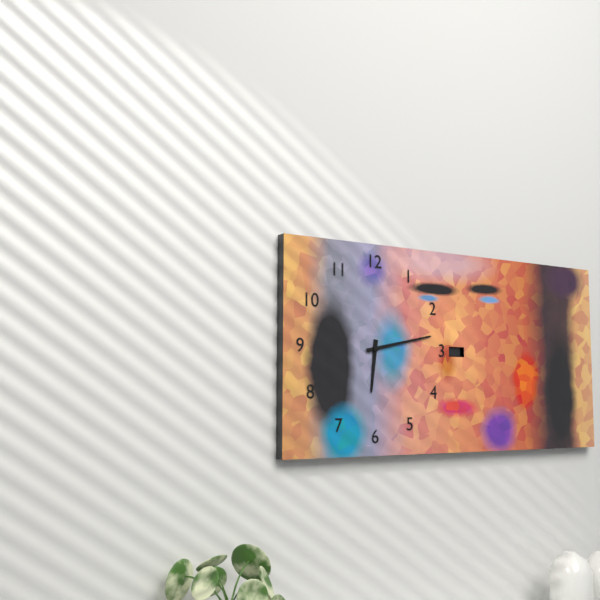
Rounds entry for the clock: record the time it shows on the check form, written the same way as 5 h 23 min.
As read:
6 h 13 min
